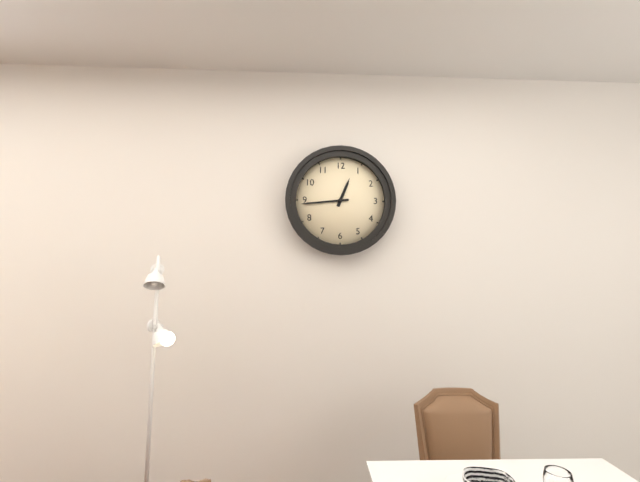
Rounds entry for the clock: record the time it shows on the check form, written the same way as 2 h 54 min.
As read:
12 h 44 min
